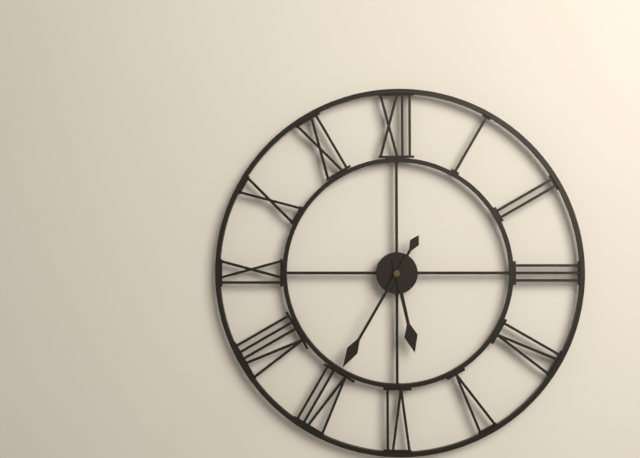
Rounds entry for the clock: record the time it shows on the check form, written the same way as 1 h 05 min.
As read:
5 h 35 min
